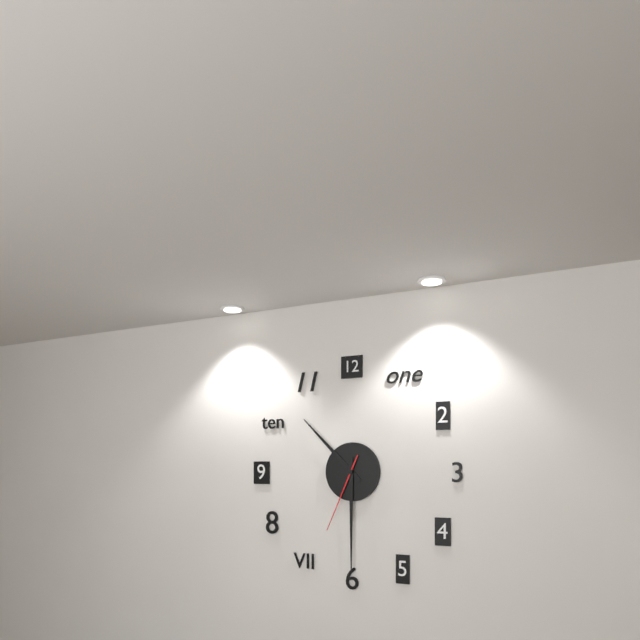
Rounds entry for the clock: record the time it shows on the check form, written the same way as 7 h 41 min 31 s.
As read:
10 h 30 min 34 s
